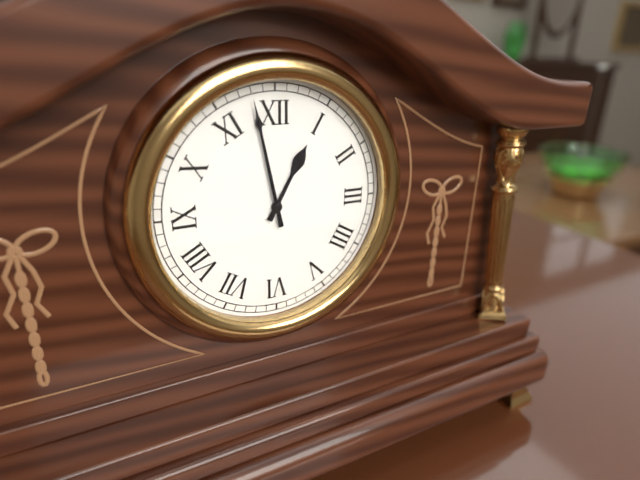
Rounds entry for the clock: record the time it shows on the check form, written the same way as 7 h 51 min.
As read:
12 h 58 min
